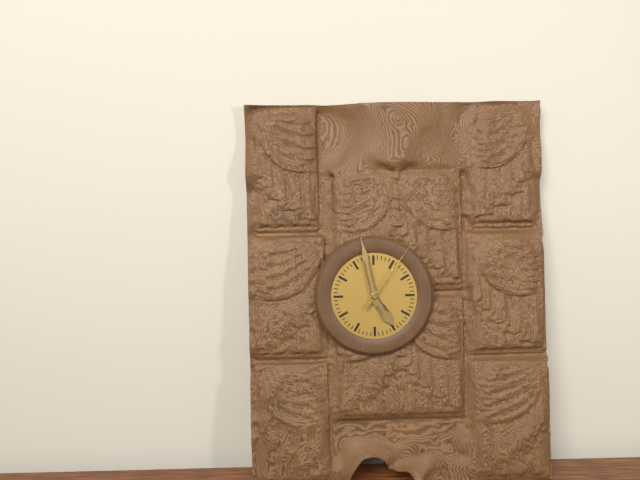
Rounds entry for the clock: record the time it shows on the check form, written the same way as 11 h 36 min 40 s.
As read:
4 h 58 min 06 s
